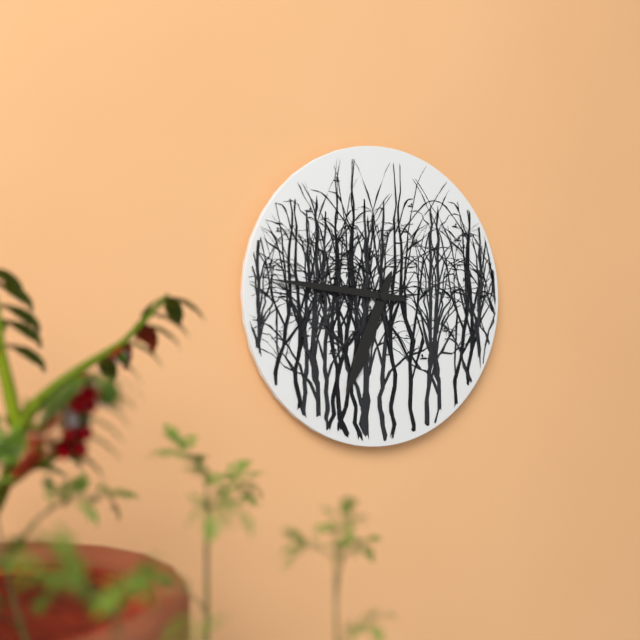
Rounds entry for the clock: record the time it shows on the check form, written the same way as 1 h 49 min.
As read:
6 h 46 min
